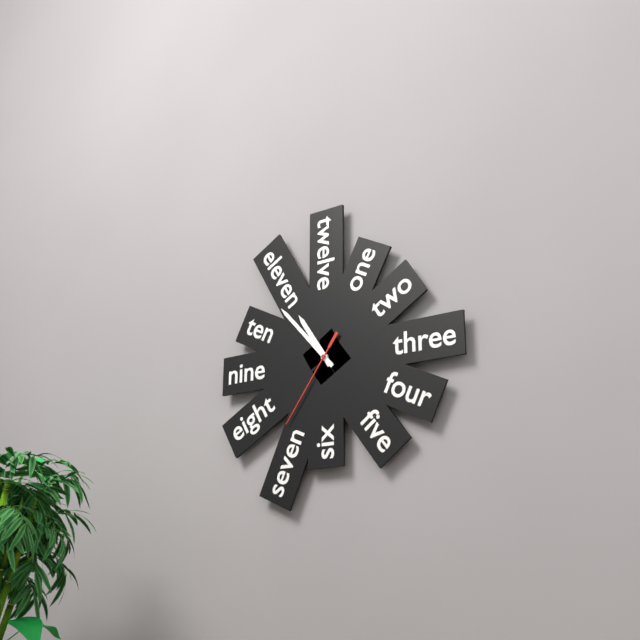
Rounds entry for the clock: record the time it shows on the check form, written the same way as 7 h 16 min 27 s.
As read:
10 h 53 min 36 s
